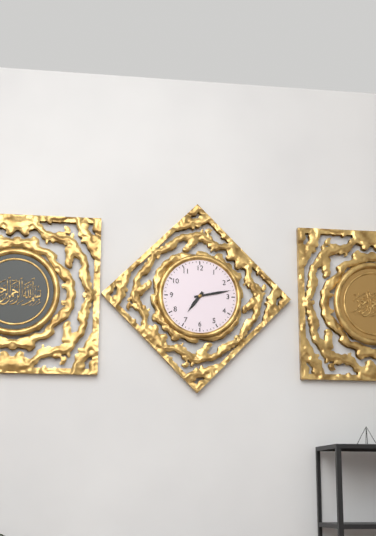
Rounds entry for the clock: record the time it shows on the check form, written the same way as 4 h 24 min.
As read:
7 h 13 min
